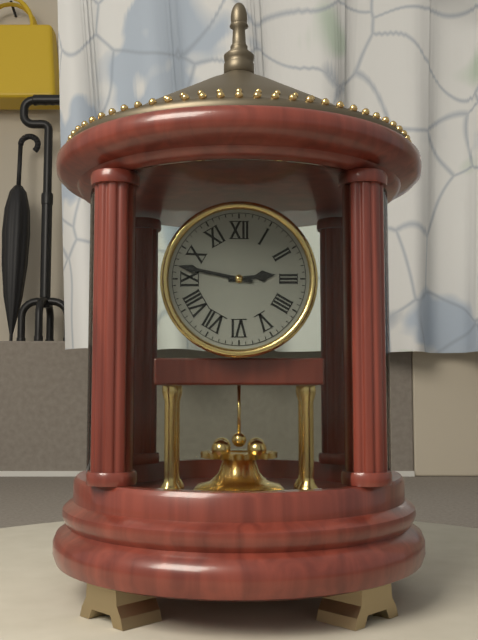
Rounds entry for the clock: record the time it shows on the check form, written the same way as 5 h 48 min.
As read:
2 h 47 min
